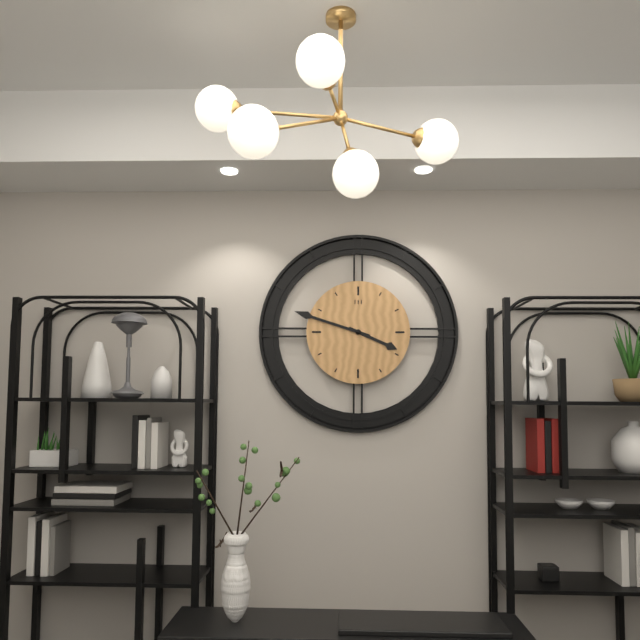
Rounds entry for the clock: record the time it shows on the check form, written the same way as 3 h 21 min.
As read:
3 h 48 min
